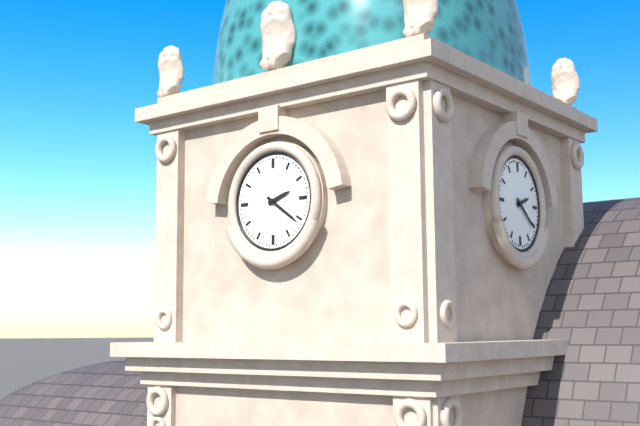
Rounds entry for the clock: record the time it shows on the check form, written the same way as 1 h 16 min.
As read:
2 h 21 min
